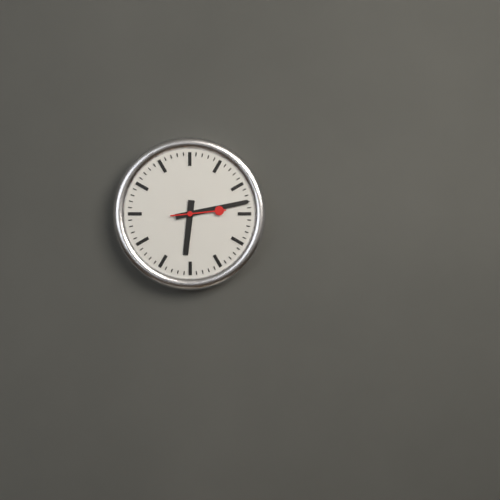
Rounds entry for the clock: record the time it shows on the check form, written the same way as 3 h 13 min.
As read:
6 h 13 min
